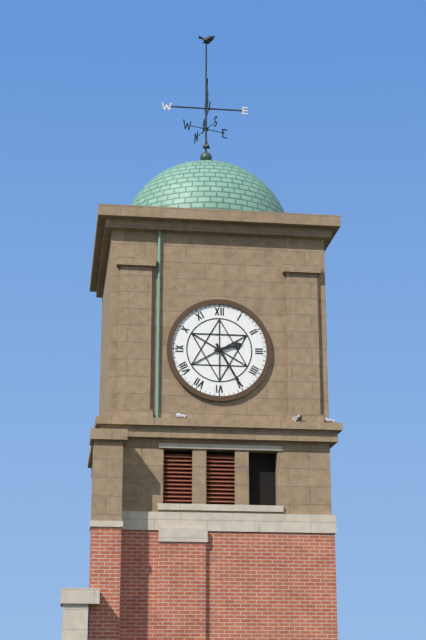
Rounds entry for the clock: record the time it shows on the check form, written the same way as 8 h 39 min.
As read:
2 h 25 min
